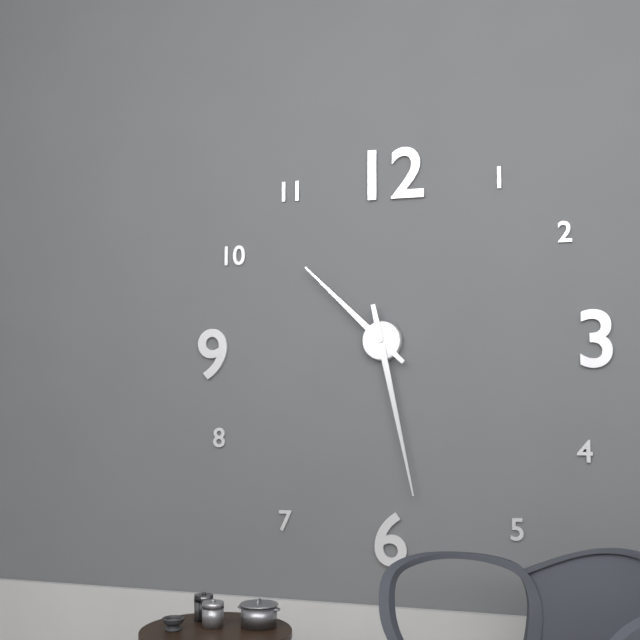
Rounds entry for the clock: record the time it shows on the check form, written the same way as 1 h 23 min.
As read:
10 h 28 min
